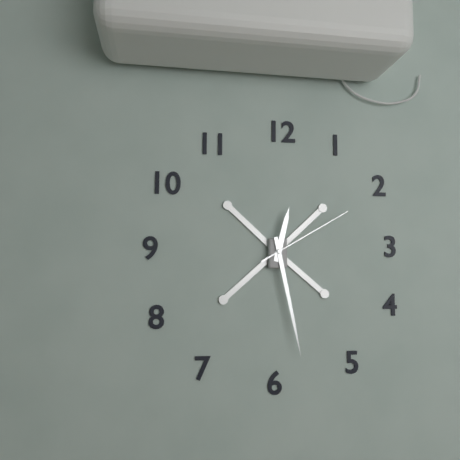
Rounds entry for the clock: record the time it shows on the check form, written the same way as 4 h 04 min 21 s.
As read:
12 h 28 min 10 s
